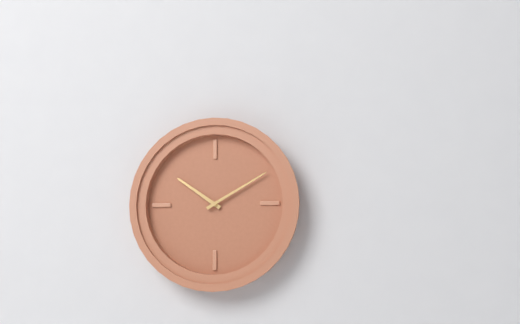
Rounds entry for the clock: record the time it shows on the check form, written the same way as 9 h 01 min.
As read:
10 h 10 min
